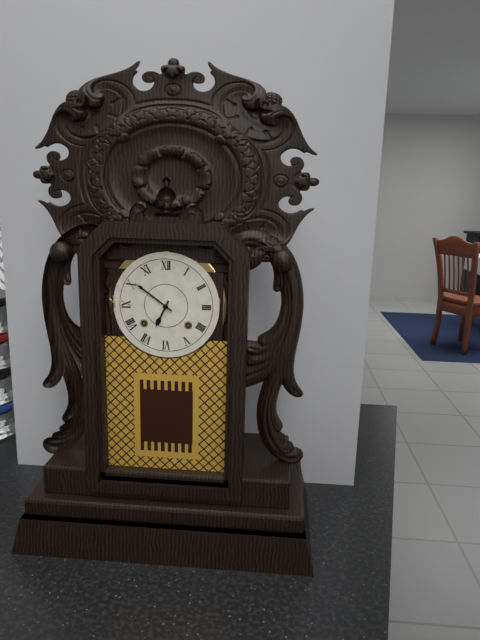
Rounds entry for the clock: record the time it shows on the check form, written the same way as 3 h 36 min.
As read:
6 h 51 min
